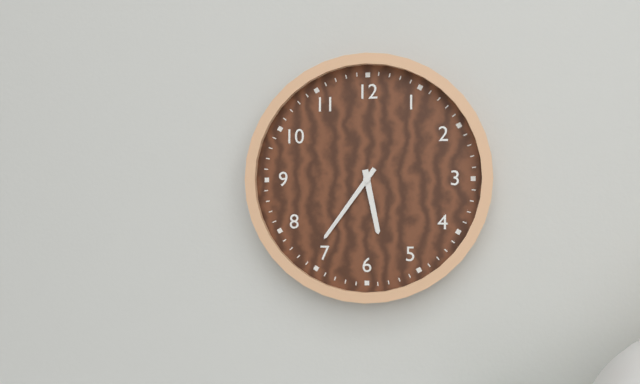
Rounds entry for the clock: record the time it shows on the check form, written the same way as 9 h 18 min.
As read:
5 h 36 min
